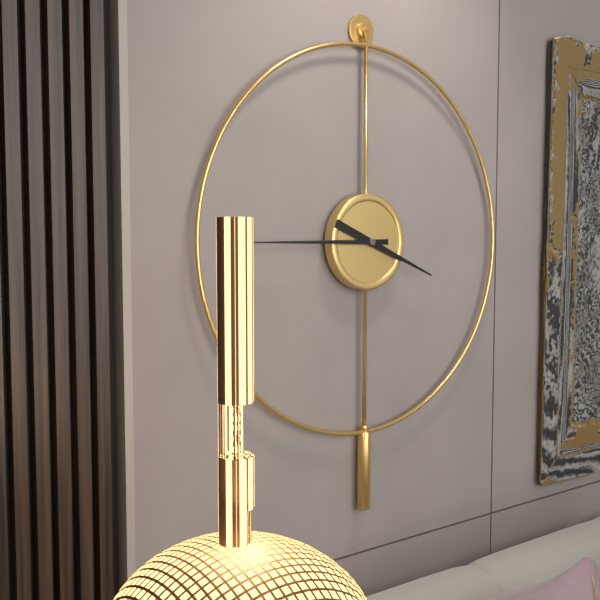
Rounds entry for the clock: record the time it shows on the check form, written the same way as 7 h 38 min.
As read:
3 h 45 min
